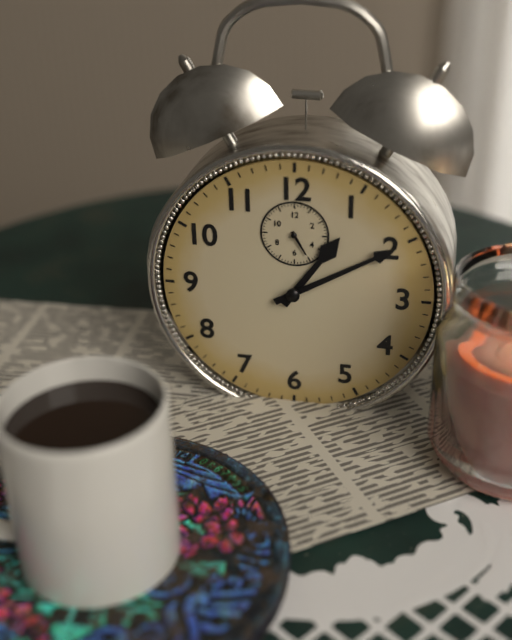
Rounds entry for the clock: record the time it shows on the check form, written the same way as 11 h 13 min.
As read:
1 h 10 min
